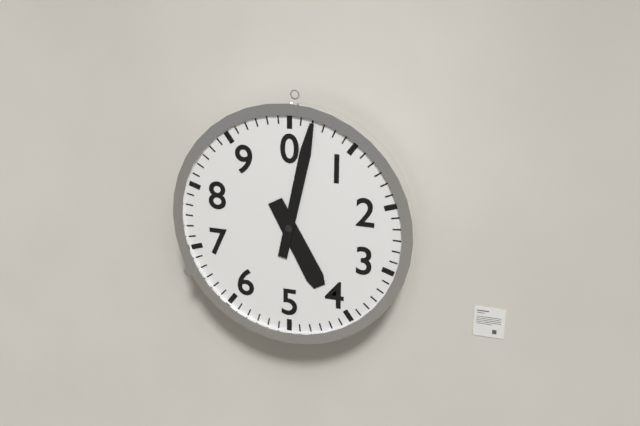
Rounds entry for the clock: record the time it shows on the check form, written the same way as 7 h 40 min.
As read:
5 h 02 min
